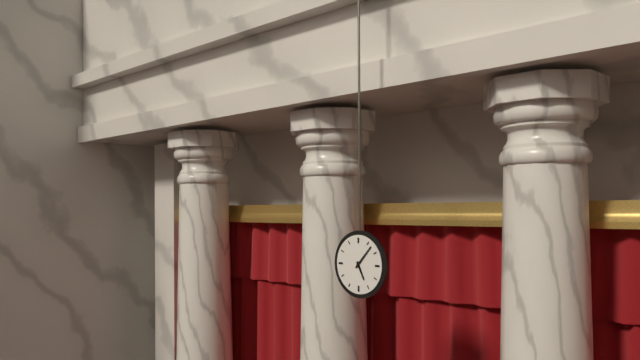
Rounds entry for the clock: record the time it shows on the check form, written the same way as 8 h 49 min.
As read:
5 h 07 min
